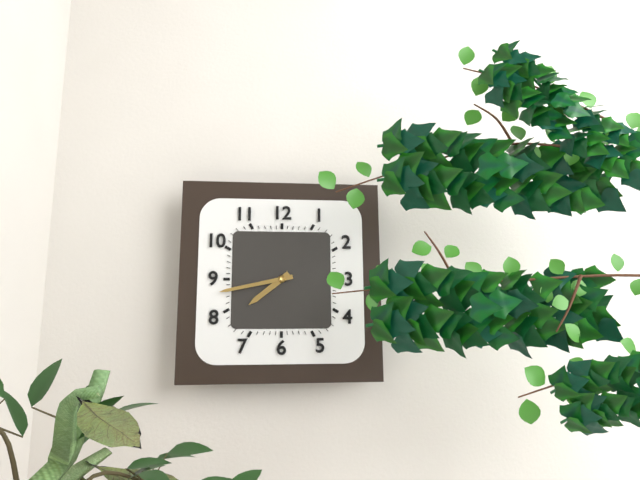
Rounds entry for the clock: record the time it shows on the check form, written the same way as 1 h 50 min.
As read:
7 h 43 min
